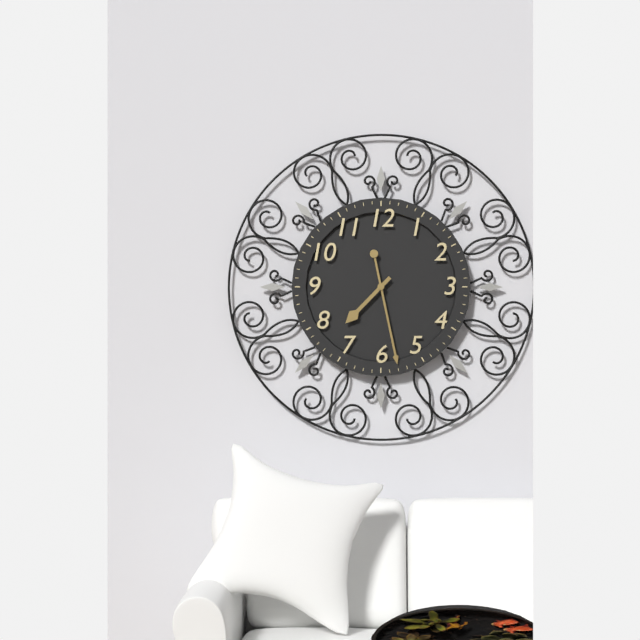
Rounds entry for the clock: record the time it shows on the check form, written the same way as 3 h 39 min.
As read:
7 h 28 min
